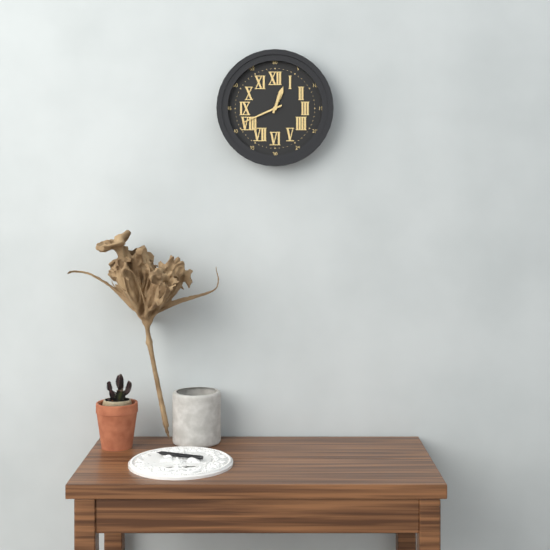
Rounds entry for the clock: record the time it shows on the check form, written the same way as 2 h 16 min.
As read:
12 h 41 min
